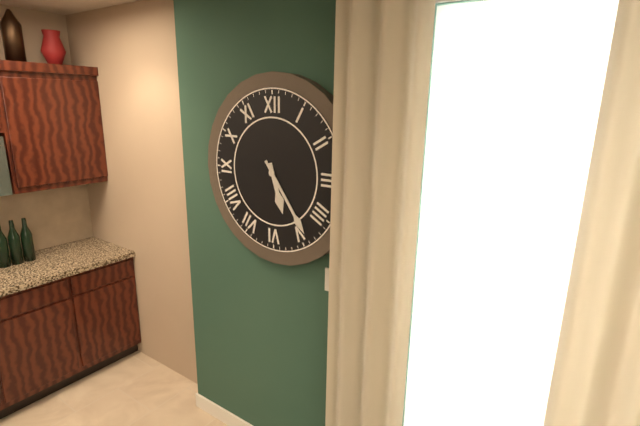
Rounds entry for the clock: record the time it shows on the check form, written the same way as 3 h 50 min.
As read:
5 h 24 min
